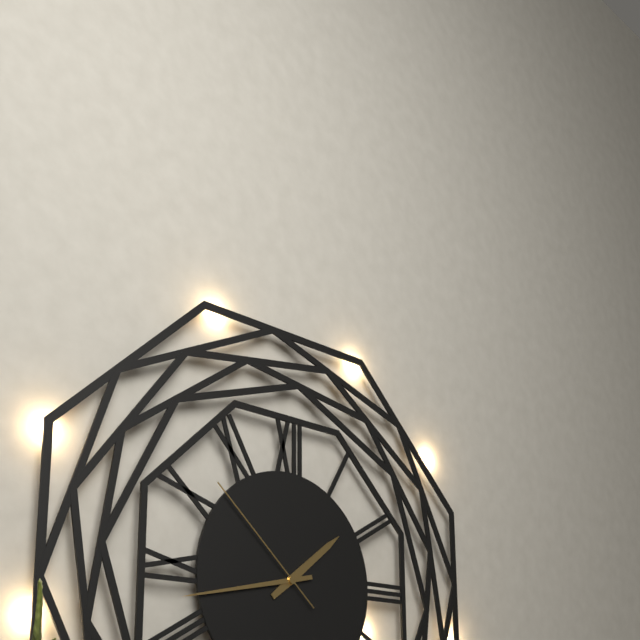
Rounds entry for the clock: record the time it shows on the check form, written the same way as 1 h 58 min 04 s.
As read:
1 h 43 min 52 s
